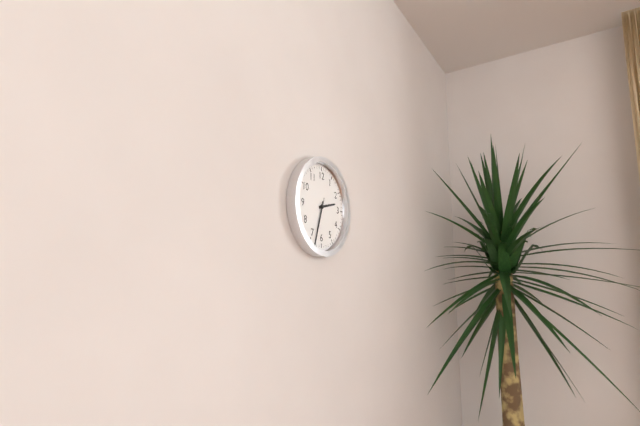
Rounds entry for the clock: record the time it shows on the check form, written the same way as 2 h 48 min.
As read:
2 h 33 min
